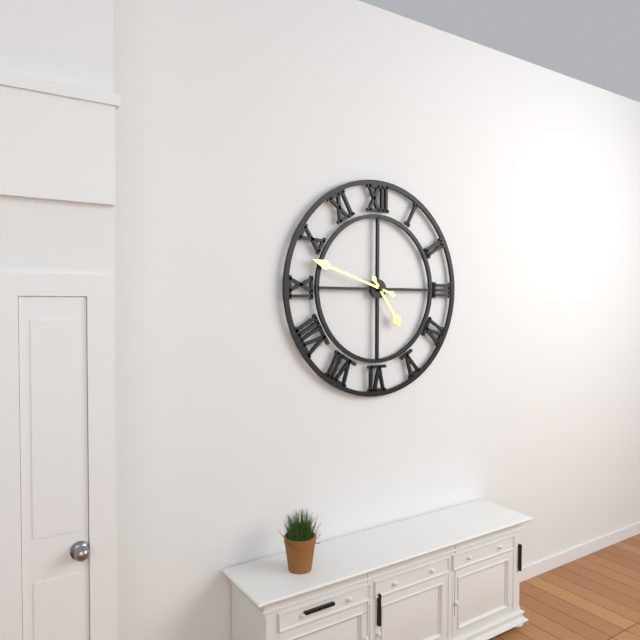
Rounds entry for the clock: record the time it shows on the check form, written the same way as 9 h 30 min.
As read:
4 h 48 min
